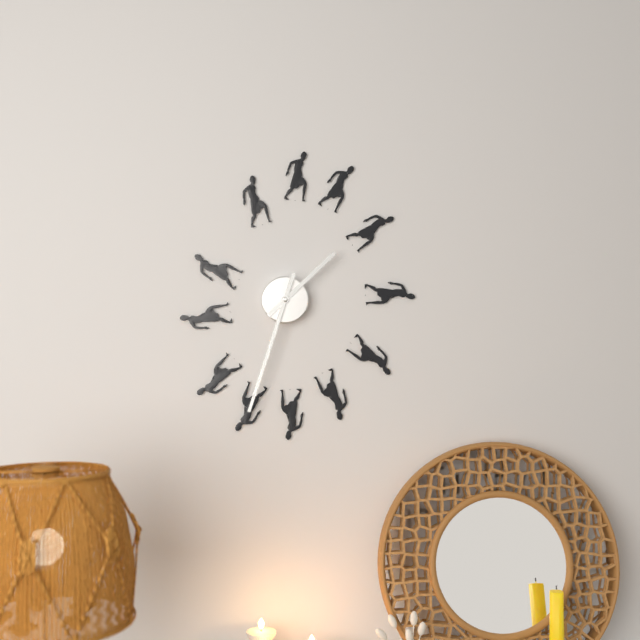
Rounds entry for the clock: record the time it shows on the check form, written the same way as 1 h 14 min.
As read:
1 h 33 min
